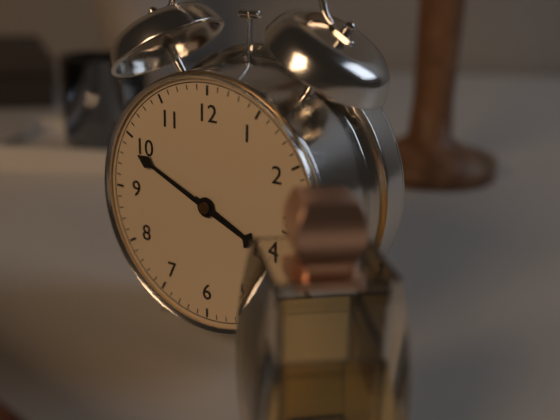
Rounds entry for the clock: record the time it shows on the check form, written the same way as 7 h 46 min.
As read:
3 h 49 min
